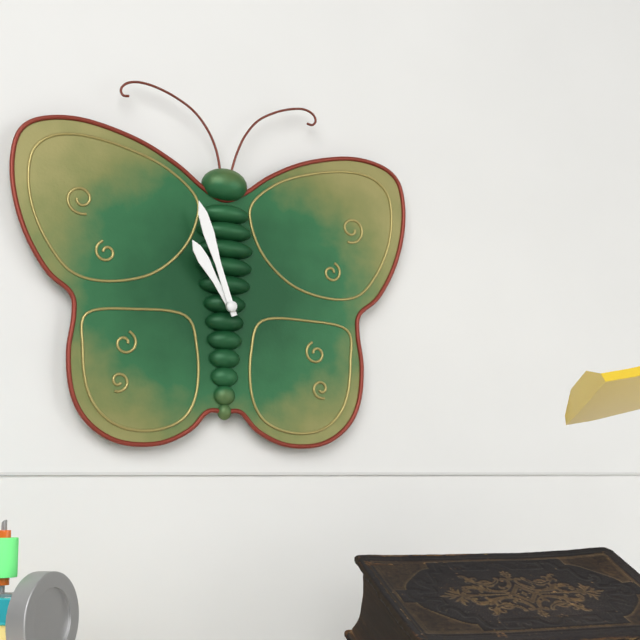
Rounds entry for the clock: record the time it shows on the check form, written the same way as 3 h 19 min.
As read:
10 h 57 min
